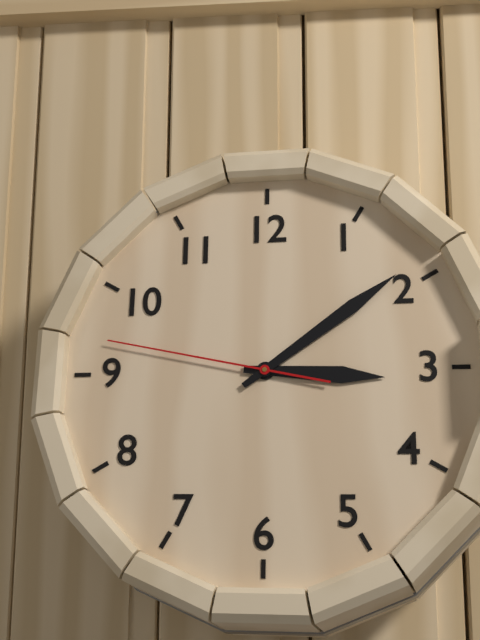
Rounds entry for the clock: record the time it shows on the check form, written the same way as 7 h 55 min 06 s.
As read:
3 h 09 min 47 s
